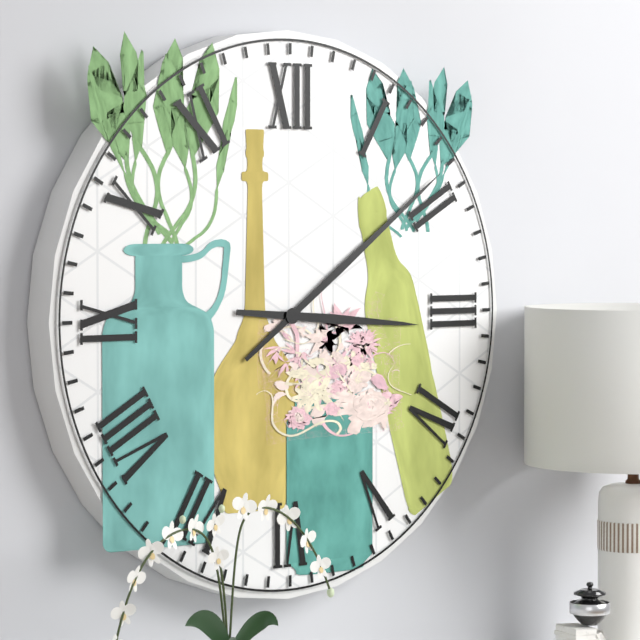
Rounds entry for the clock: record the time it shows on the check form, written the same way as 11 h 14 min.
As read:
3 h 09 min
